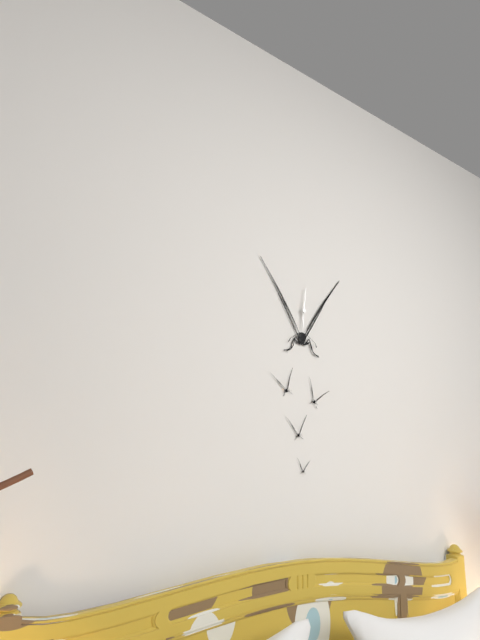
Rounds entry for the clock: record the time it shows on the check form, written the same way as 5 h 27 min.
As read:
6 h 01 min
